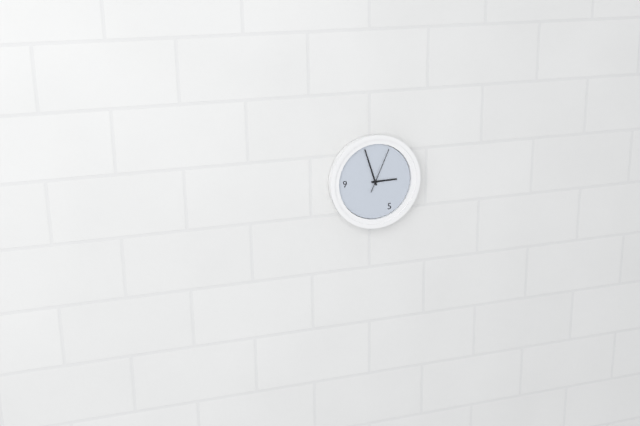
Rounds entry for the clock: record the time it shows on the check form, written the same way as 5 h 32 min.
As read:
2 h 57 min
